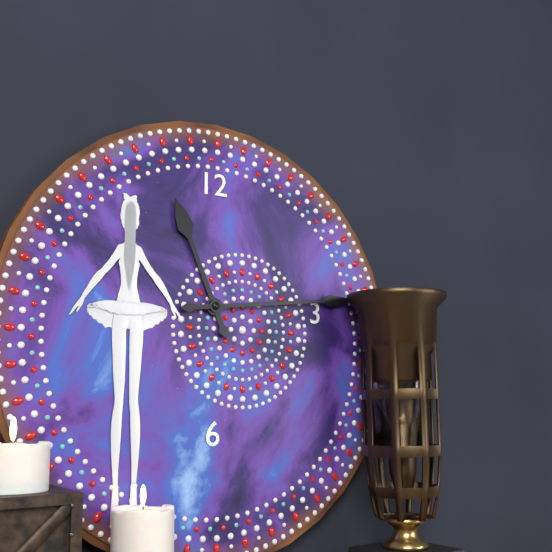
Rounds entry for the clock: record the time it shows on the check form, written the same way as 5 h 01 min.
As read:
11 h 14 min
